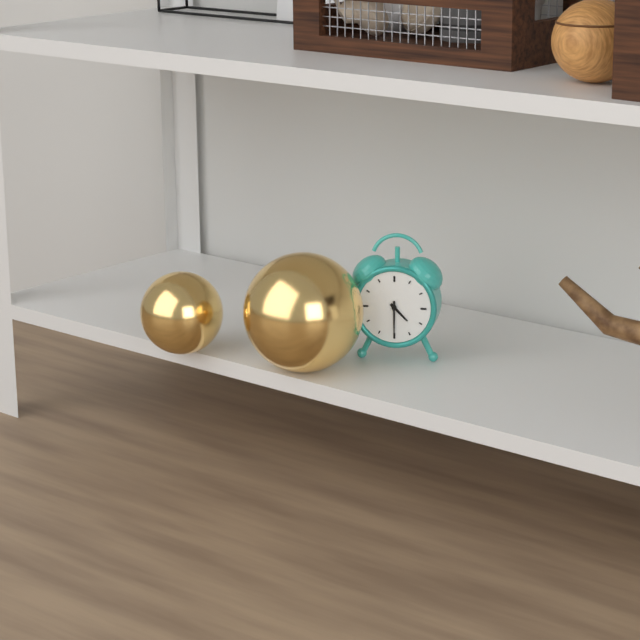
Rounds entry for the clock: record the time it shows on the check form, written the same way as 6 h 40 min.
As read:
4 h 30 min
